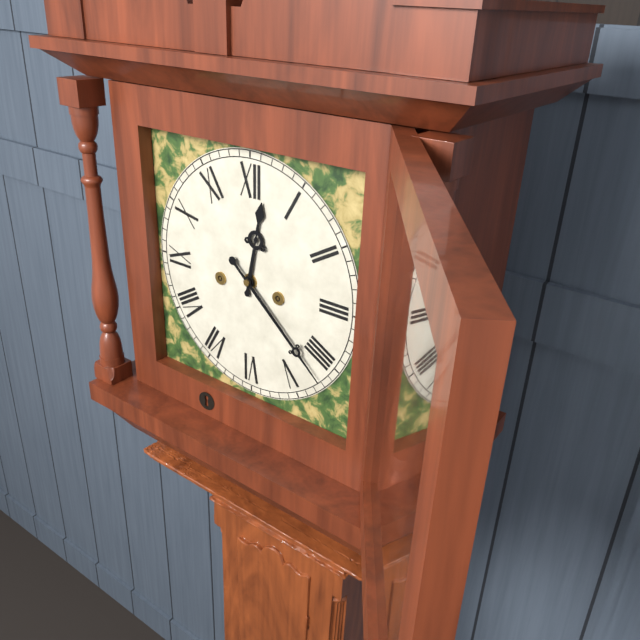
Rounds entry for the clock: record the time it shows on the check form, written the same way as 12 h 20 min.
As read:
12 h 22 min
